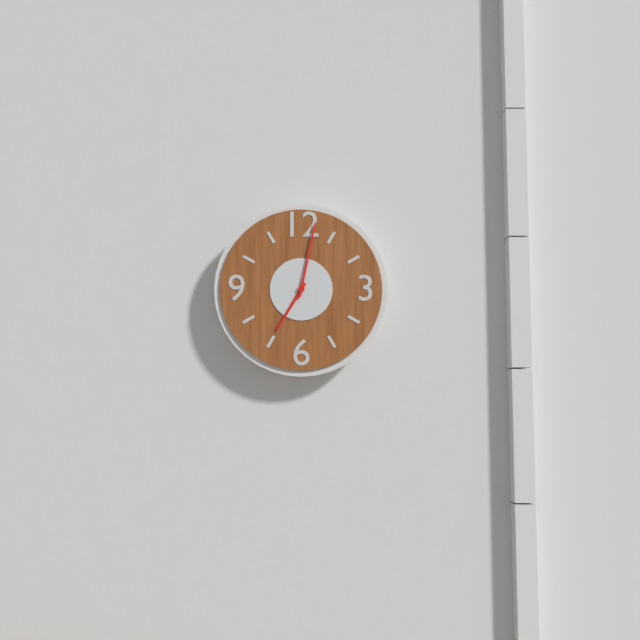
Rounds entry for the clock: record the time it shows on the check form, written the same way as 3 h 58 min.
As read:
7 h 02 min
